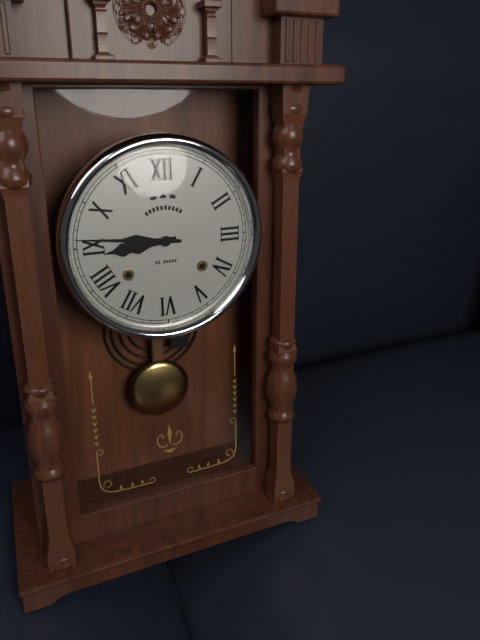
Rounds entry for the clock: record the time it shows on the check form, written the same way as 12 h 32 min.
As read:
8 h 46 min
